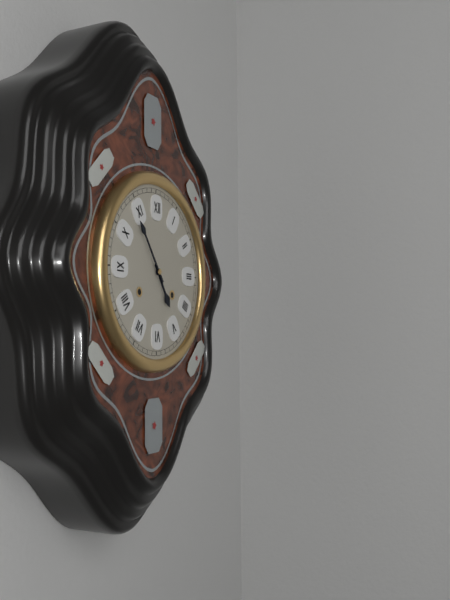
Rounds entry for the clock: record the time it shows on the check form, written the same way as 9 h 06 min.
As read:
4 h 54 min
